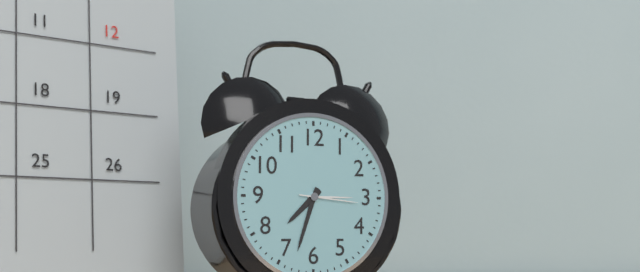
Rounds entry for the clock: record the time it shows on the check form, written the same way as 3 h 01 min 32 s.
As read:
7 h 33 min 16 s
